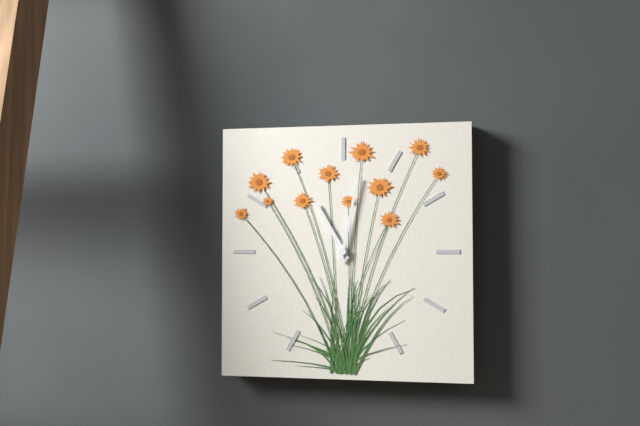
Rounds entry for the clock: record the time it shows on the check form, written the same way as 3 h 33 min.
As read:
11 h 02 min
